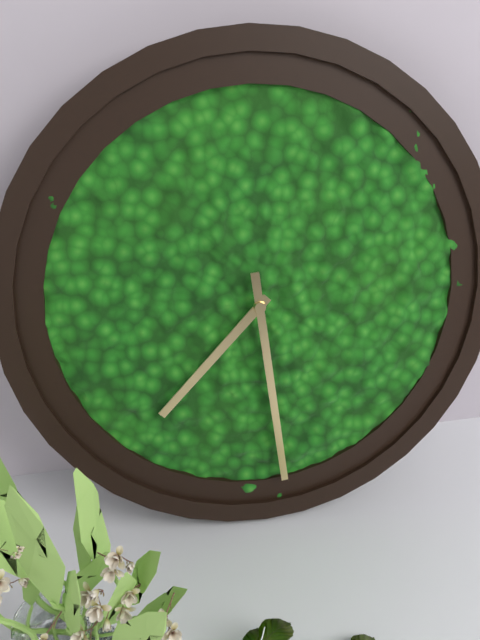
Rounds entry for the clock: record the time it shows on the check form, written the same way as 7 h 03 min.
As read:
7 h 29 min
